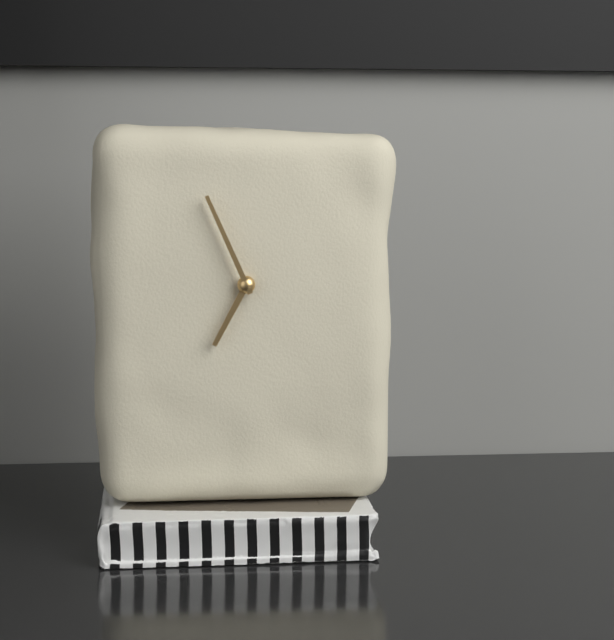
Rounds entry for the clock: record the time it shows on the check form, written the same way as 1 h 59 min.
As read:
6 h 56 min
